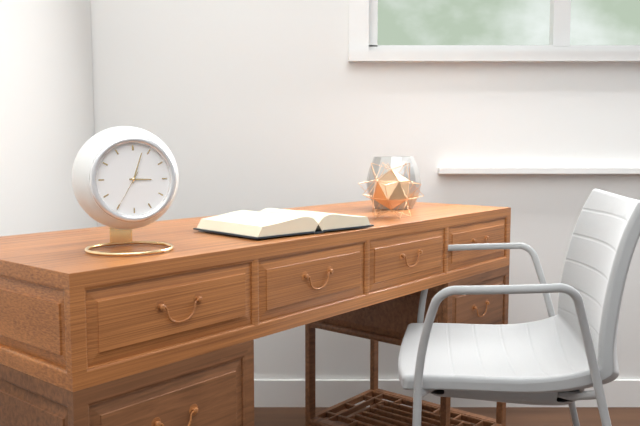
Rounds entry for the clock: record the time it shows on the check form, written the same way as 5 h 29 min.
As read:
3 h 03 min
